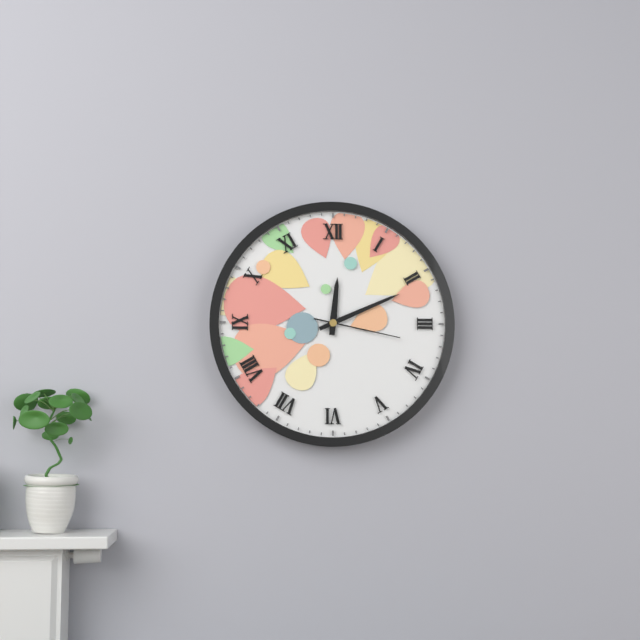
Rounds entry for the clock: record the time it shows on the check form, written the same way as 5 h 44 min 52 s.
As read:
12 h 11 min 17 s
